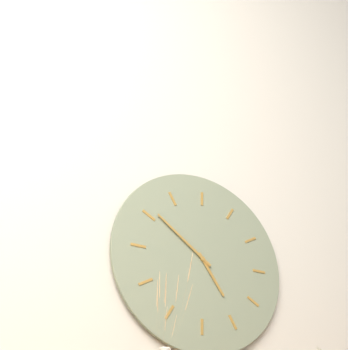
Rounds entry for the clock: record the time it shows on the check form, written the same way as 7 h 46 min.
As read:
4 h 51 min
